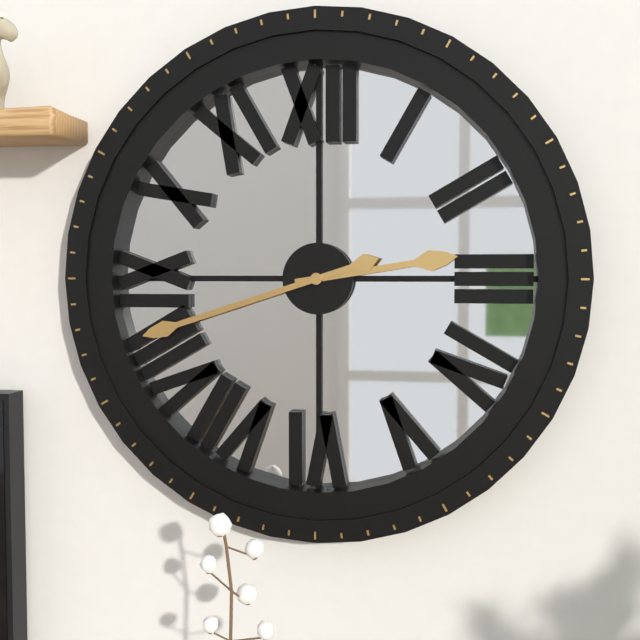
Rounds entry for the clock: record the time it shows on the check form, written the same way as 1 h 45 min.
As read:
2 h 42 min
